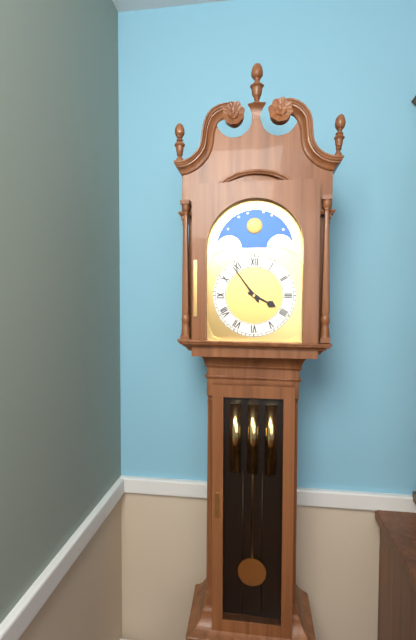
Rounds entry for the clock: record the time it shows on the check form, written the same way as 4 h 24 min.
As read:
3 h 54 min
